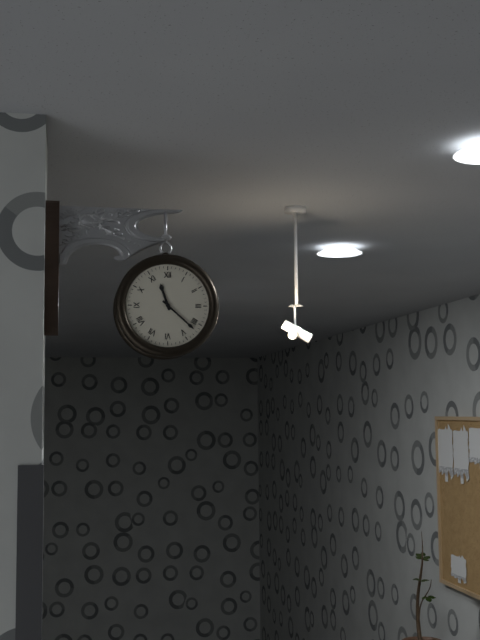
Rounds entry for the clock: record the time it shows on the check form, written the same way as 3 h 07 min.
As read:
11 h 22 min
